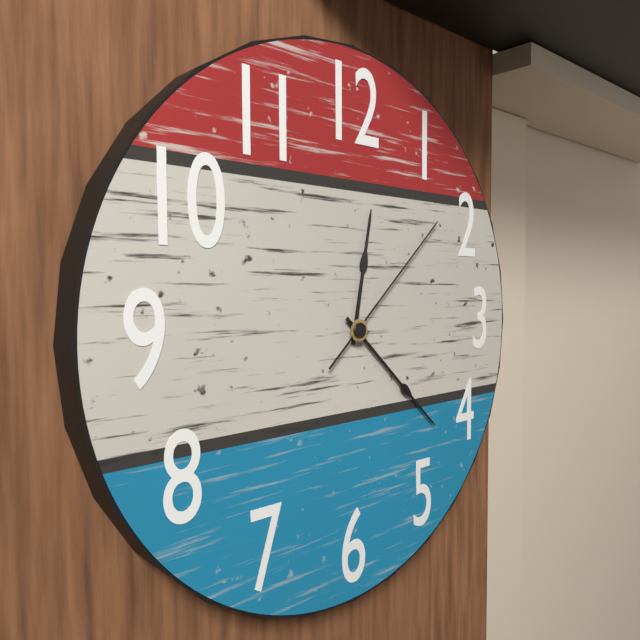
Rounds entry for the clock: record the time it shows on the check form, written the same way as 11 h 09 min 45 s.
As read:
12 h 22 min 08 s
